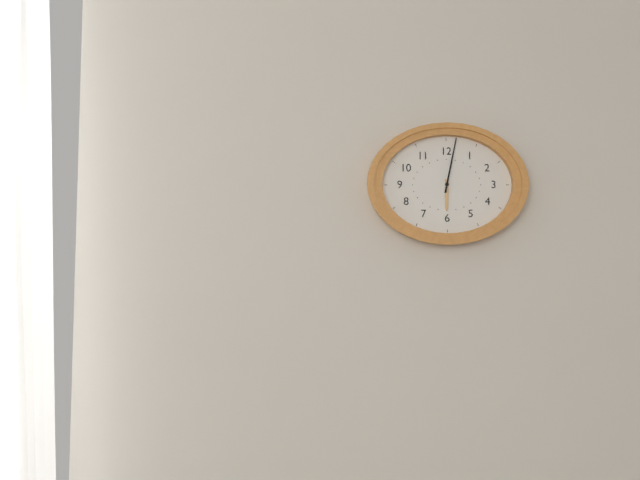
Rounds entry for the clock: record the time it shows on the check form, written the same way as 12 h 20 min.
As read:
6 h 02 min
